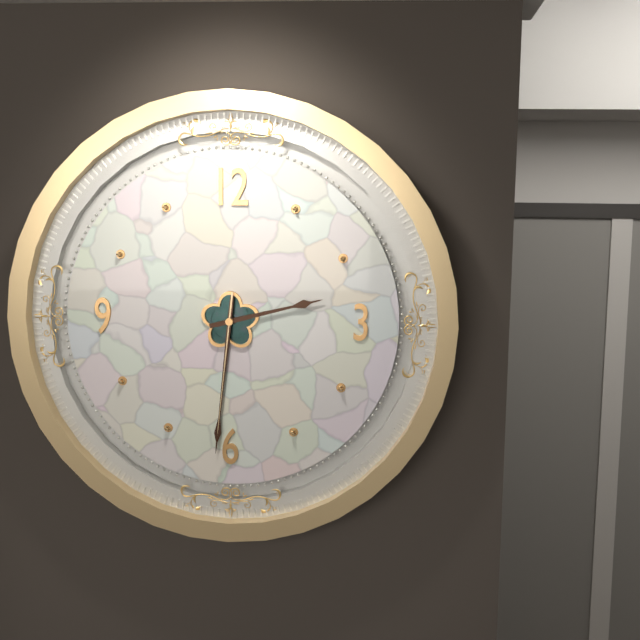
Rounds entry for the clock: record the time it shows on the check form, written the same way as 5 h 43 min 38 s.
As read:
2 h 31 min 31 s
